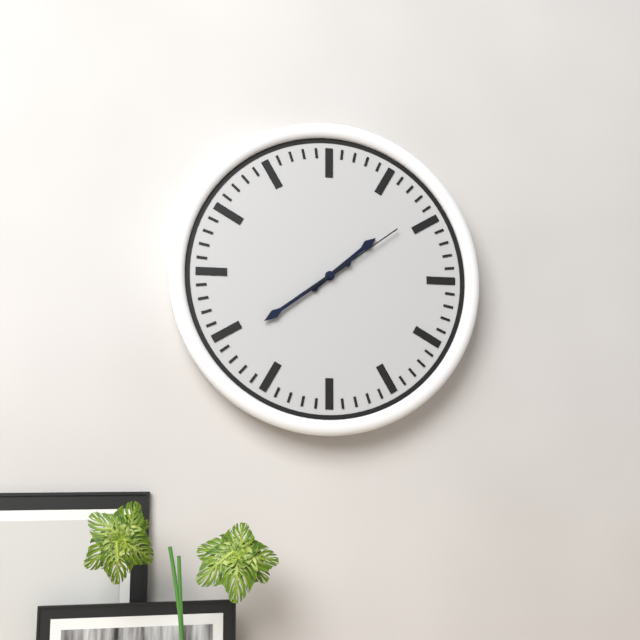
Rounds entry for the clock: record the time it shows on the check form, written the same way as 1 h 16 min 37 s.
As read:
1 h 39 min 09 s
